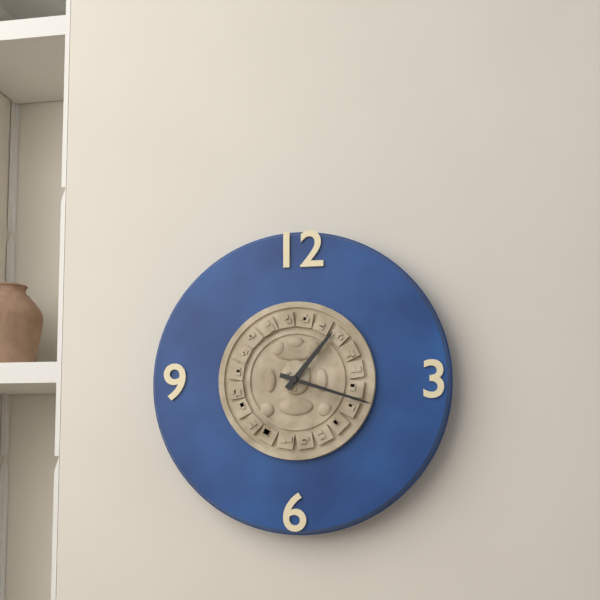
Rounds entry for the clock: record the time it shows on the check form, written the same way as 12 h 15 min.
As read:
1 h 18 min
